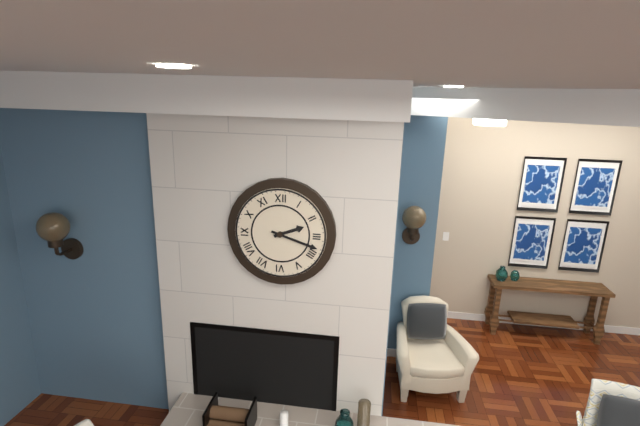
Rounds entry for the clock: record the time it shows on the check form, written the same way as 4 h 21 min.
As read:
2 h 18 min
